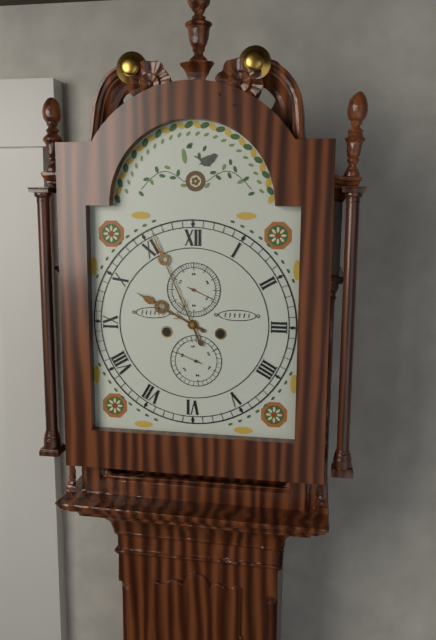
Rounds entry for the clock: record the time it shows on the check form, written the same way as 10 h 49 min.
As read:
9 h 56 min
